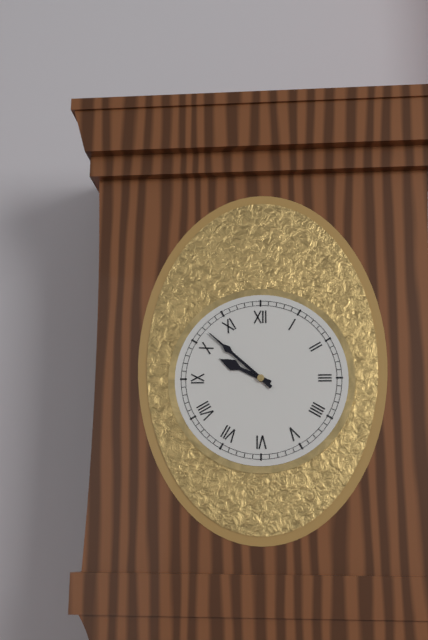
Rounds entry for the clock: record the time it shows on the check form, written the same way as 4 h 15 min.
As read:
9 h 52 min
